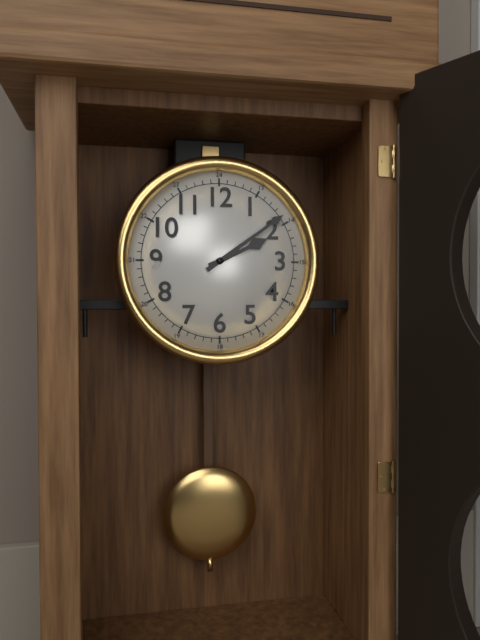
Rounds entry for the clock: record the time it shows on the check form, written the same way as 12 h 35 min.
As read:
2 h 09 min
